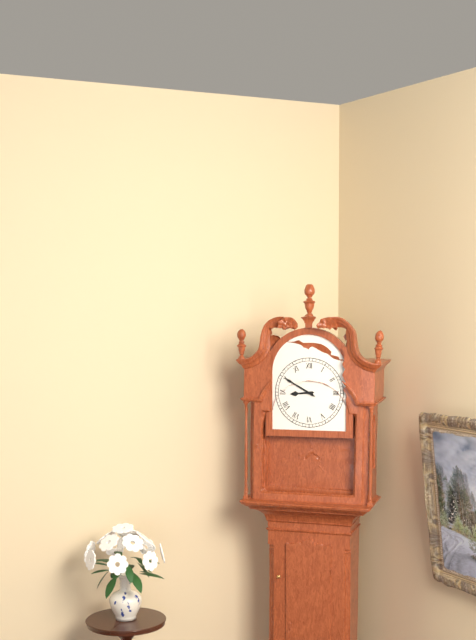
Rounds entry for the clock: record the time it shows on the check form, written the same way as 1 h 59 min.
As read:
8 h 50 min
